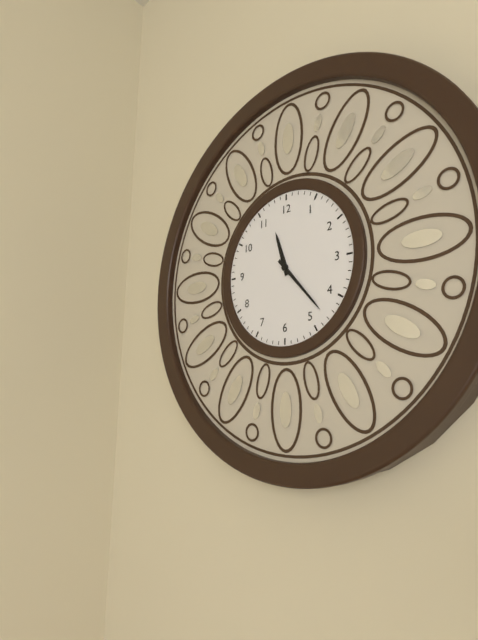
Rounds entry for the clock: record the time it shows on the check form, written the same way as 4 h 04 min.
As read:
11 h 23 min
